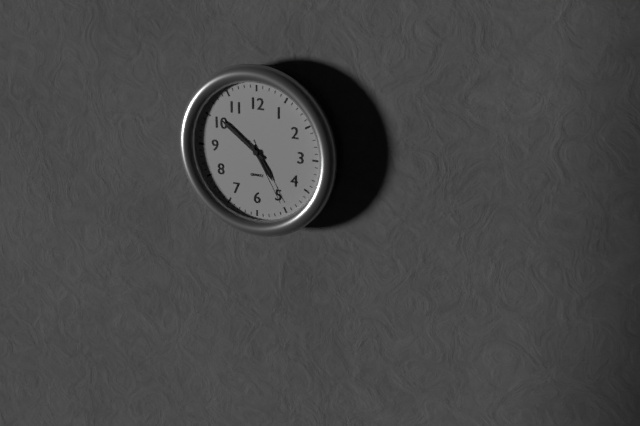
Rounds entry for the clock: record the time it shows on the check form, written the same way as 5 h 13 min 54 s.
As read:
4 h 51 min 25 s
